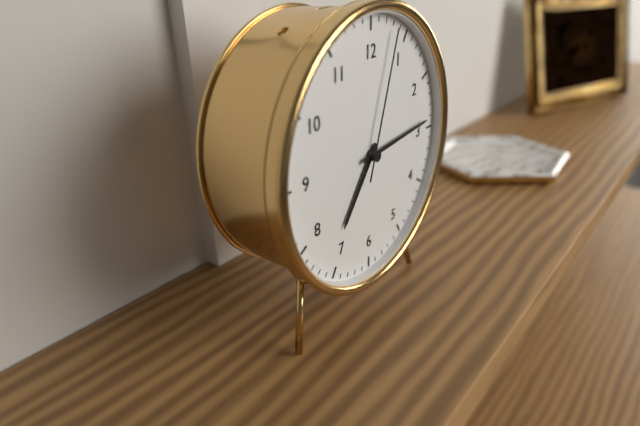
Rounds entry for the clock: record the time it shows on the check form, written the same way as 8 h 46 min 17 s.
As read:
7 h 14 min 03 s
